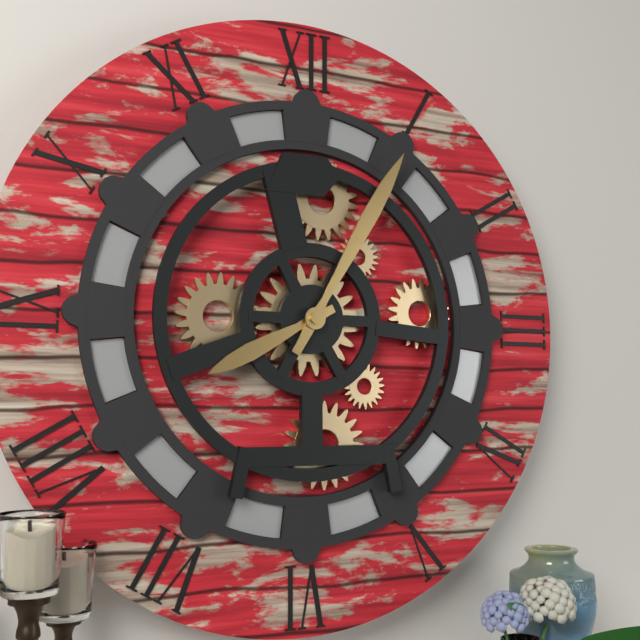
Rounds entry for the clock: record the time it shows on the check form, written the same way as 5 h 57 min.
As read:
8 h 05 min
